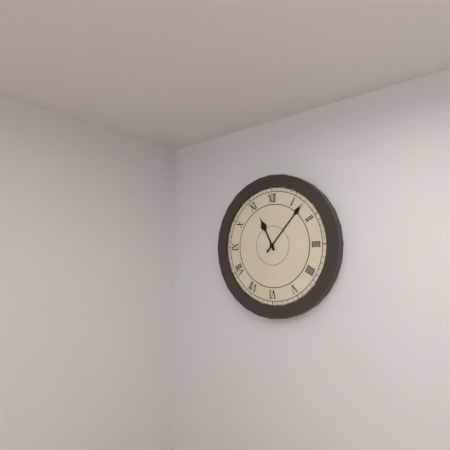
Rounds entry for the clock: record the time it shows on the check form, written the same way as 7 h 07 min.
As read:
11 h 07 min
